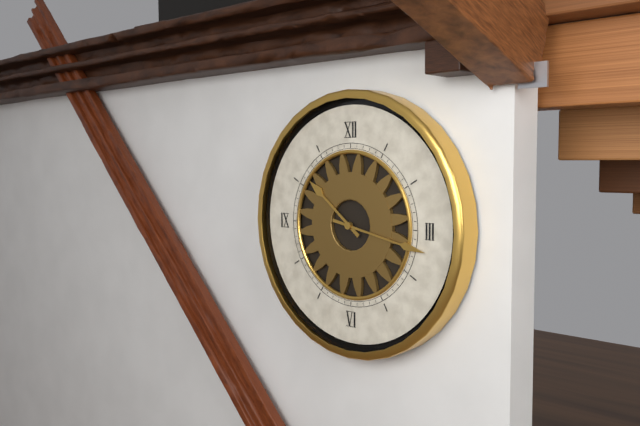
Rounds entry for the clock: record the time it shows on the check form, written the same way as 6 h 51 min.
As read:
10 h 17 min
